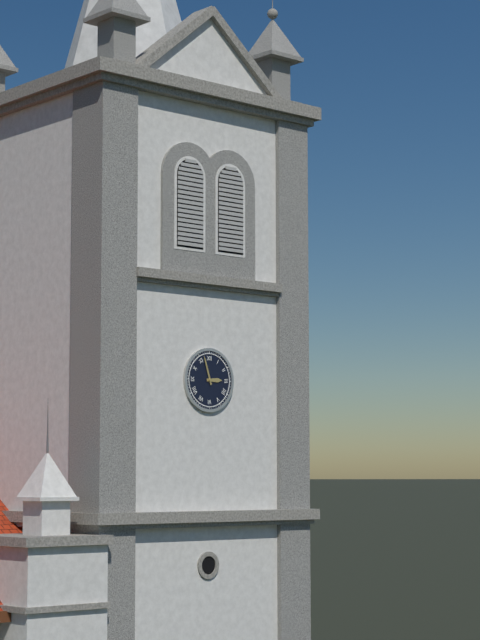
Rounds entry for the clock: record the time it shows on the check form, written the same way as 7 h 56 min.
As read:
2 h 57 min
